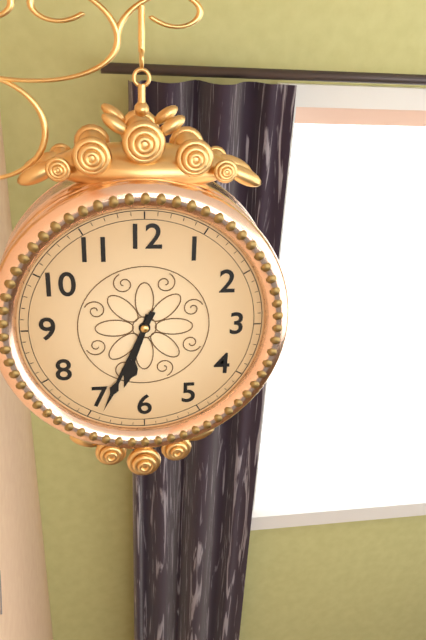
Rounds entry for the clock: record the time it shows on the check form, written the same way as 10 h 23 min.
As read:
6 h 34 min
